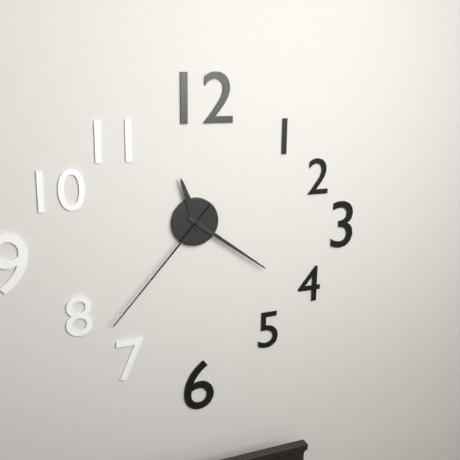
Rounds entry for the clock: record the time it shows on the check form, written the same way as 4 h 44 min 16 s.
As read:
11 h 21 min 37 s
